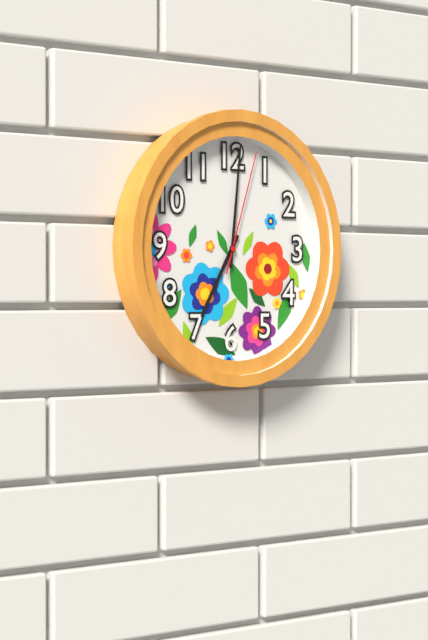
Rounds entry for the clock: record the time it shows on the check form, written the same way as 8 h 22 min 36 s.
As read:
7 h 01 min 03 s
